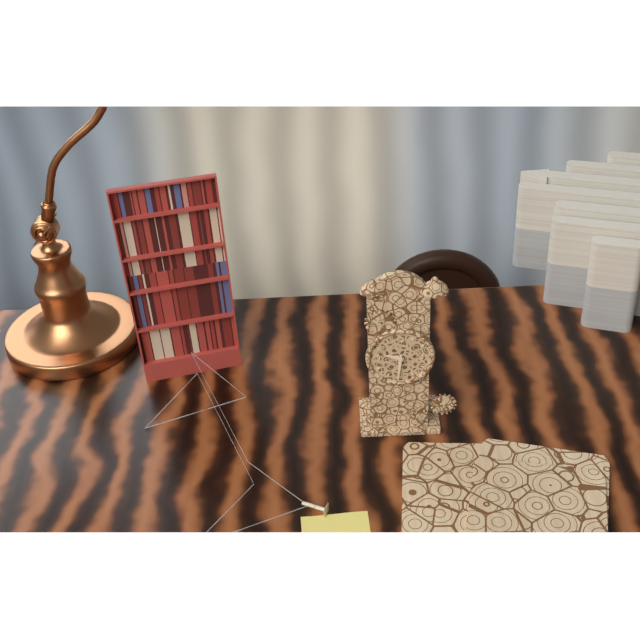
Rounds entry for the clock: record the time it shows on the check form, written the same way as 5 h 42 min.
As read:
9 h 31 min
